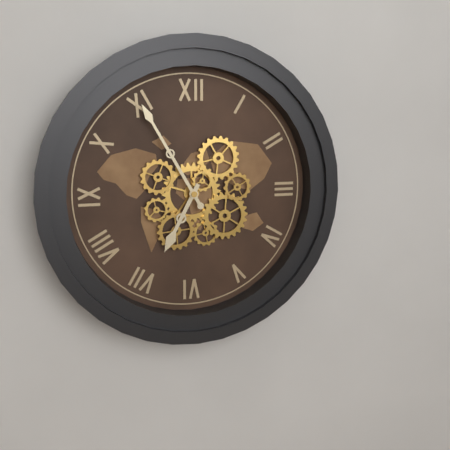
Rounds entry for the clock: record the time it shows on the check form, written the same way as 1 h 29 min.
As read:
6 h 55 min
